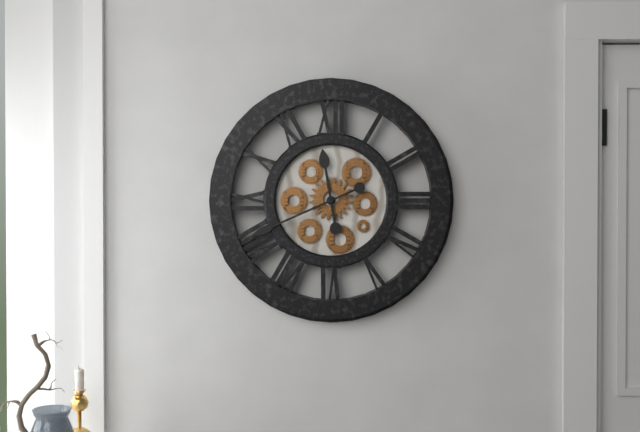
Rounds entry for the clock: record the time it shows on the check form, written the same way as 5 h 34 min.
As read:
11 h 41 min
